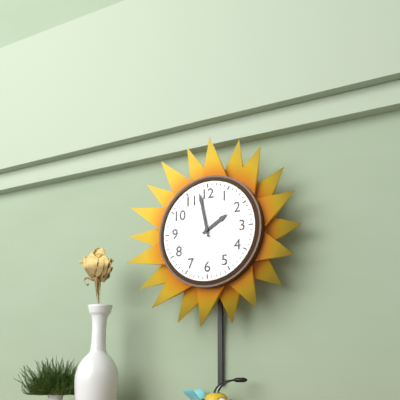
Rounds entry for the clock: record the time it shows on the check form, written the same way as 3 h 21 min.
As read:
1 h 58 min
